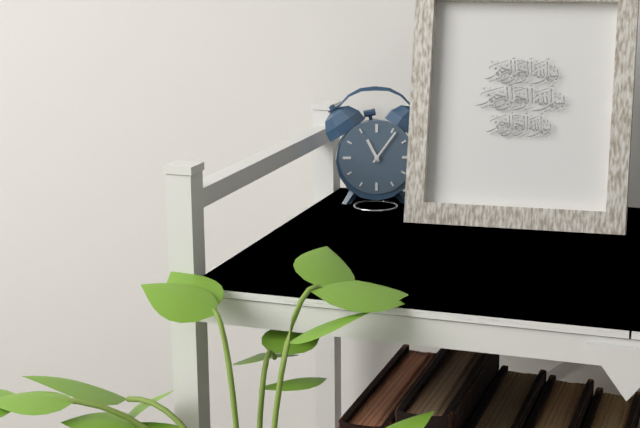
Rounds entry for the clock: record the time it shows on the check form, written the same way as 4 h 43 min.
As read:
11 h 06 min
